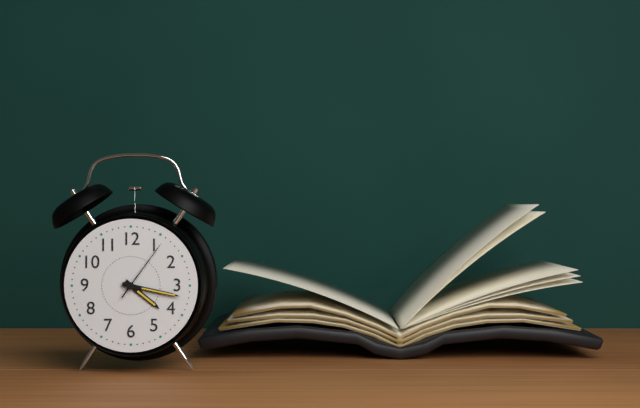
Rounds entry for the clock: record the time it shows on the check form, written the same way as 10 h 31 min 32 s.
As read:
4 h 17 min 06 s
